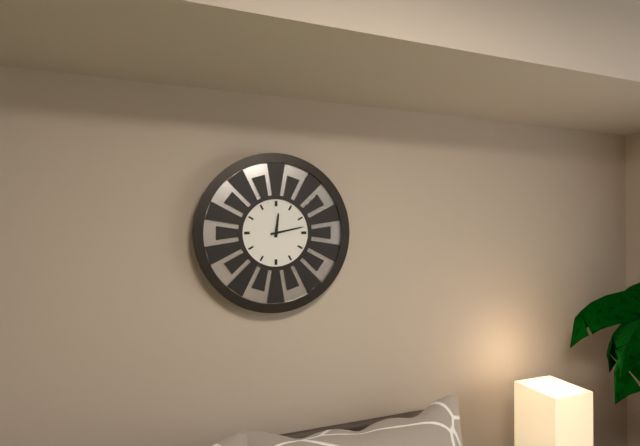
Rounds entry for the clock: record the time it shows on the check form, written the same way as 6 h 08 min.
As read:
12 h 13 min
